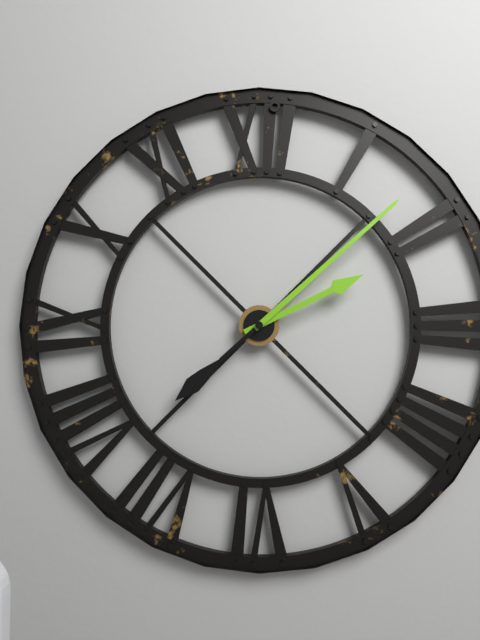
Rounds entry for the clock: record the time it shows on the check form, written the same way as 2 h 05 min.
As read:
2 h 08 min
